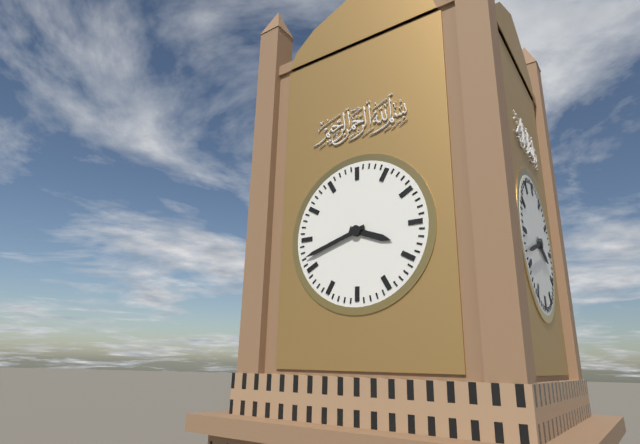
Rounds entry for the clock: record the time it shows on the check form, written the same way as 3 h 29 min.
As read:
3 h 42 min
